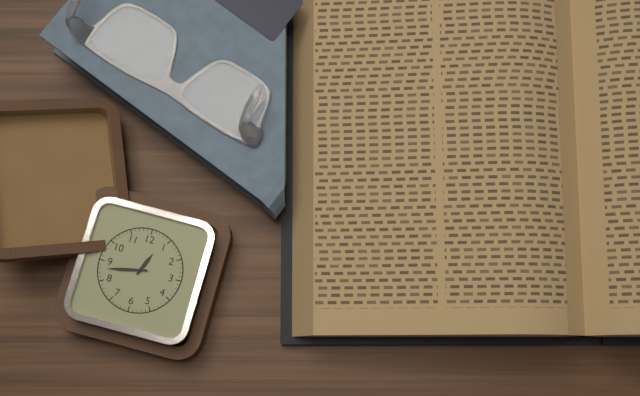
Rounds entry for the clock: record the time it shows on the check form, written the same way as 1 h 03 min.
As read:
12 h 43 min
